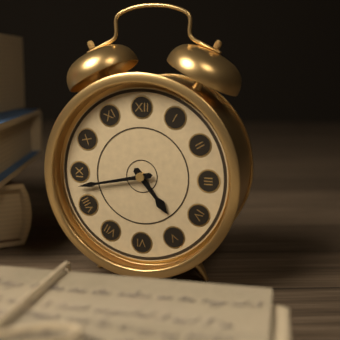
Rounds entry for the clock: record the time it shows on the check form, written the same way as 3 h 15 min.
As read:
4 h 43 min
